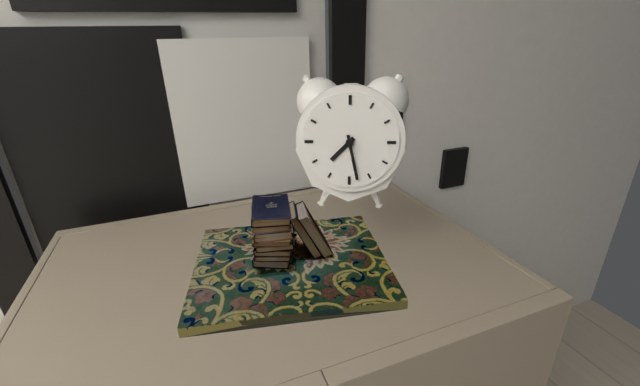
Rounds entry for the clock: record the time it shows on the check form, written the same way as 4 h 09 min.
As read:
7 h 28 min
